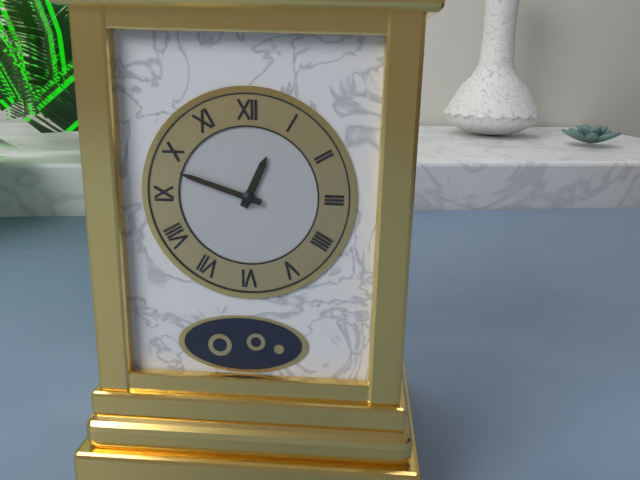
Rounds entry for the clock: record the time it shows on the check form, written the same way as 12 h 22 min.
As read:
12 h 48 min
